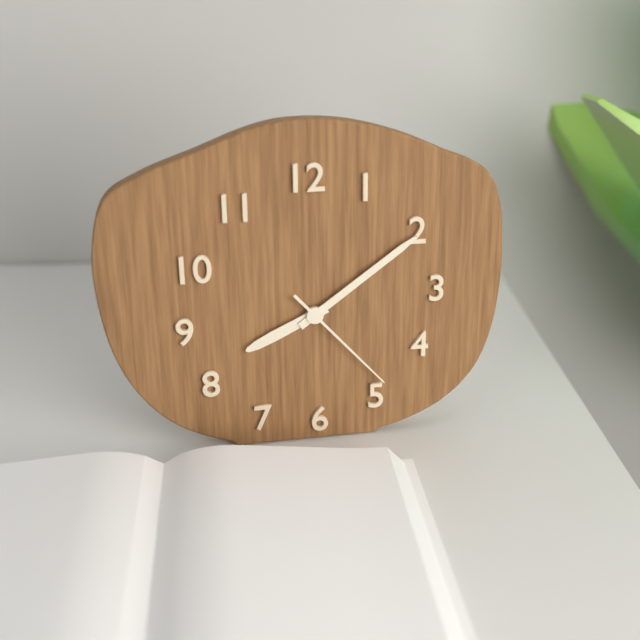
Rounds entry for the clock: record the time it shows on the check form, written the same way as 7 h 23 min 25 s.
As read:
8 h 09 min 23 s
